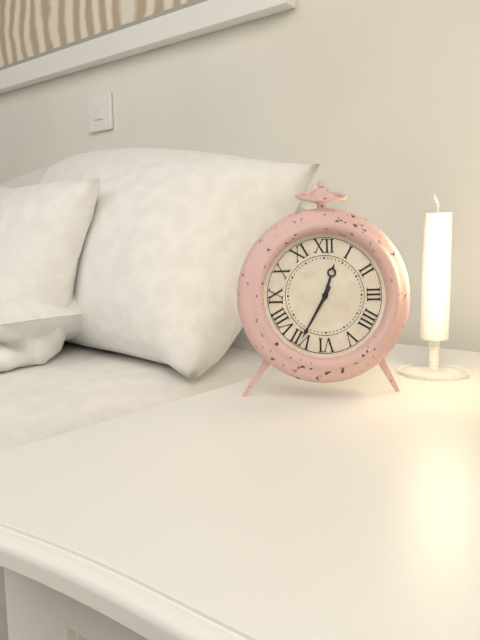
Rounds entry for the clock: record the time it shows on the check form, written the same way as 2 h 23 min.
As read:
12 h 35 min
